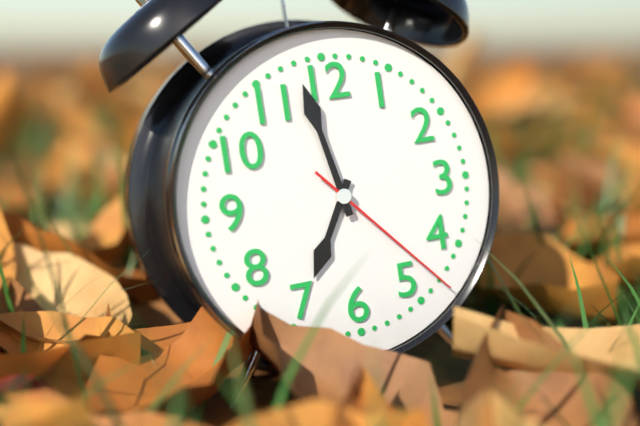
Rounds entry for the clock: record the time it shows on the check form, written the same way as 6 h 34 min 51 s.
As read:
6 h 58 min 23 s
